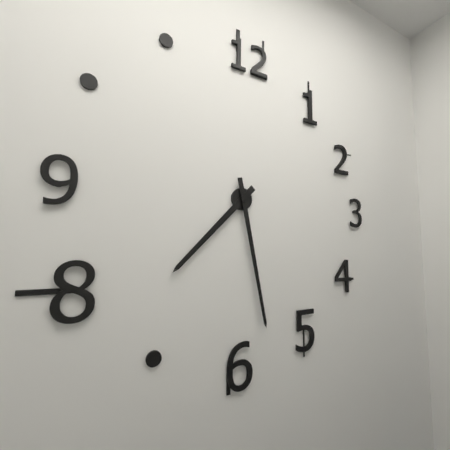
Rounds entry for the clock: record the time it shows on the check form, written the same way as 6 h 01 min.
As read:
7 h 28 min
